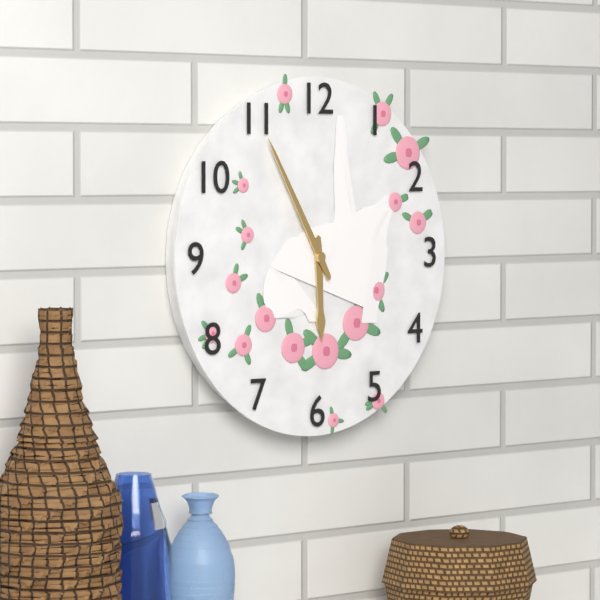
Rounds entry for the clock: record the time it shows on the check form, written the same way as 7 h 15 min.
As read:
5 h 55 min
